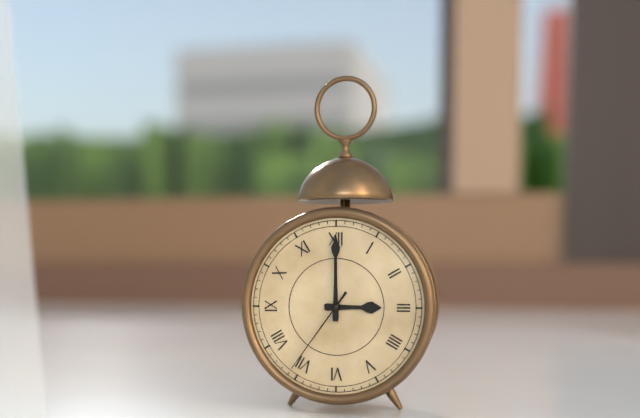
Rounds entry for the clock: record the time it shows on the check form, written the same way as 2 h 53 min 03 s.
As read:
3 h 00 min 36 s
